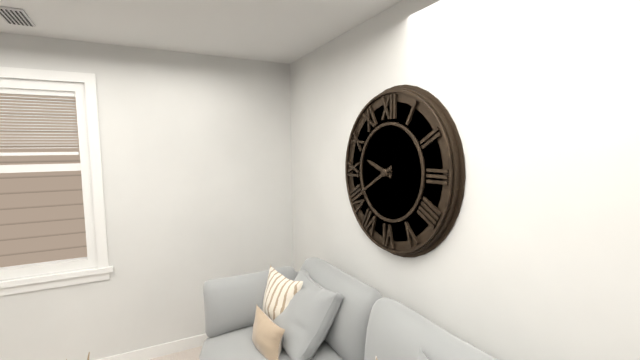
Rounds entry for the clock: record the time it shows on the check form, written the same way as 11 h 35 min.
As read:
9 h 40 min
